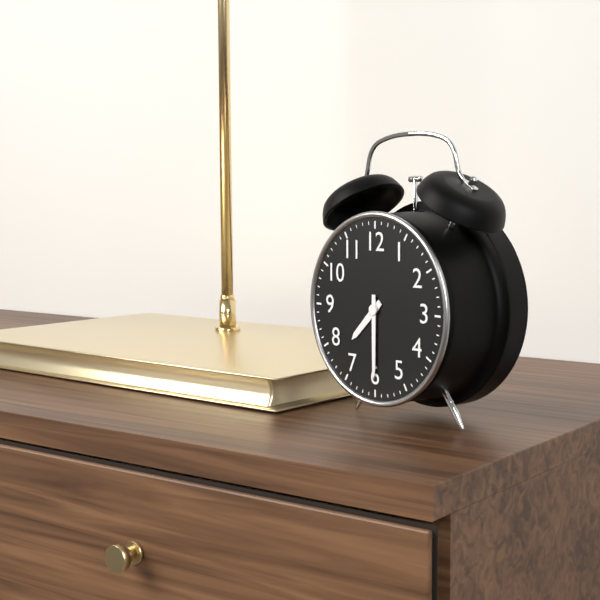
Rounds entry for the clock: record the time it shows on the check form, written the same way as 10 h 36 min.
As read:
7 h 30 min
